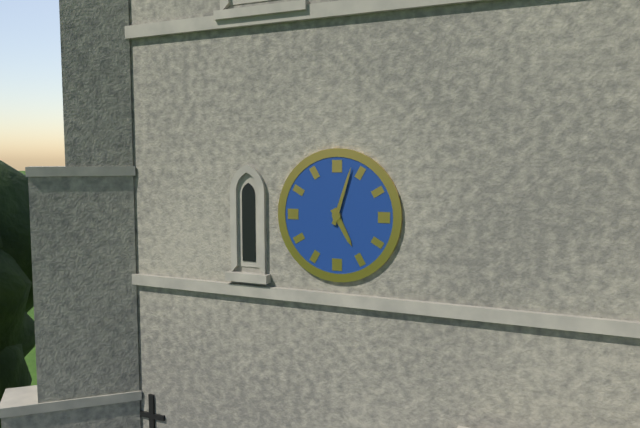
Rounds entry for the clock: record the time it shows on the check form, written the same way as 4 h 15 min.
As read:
5 h 03 min
